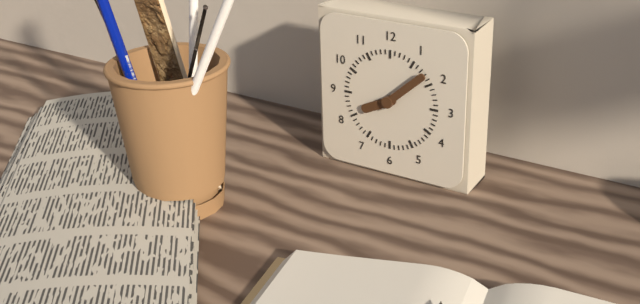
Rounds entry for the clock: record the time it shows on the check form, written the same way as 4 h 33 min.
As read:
8 h 08 min
